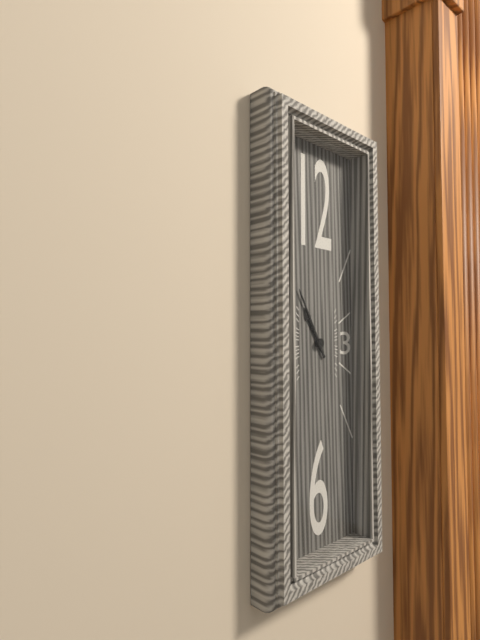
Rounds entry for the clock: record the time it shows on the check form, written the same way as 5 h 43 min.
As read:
10 h 55 min
